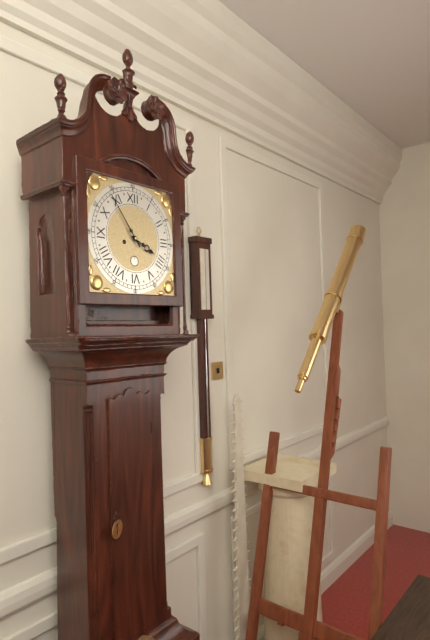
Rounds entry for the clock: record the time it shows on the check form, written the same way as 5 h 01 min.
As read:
3 h 54 min
